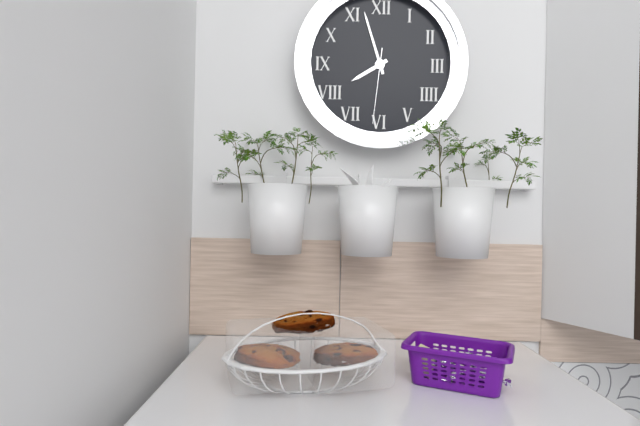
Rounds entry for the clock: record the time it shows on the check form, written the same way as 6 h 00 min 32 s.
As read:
7 h 57 min 31 s
